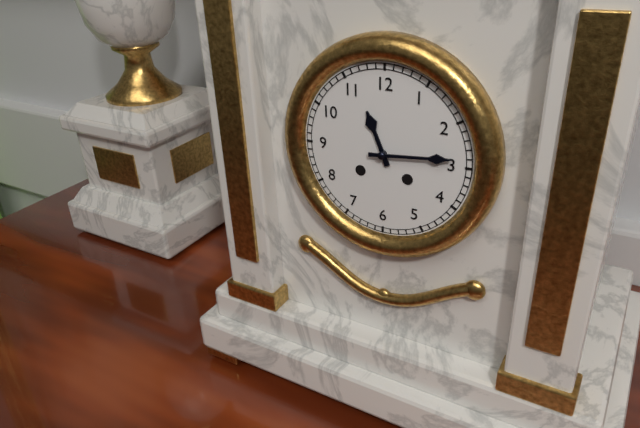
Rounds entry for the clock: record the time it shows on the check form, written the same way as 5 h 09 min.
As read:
11 h 14 min
